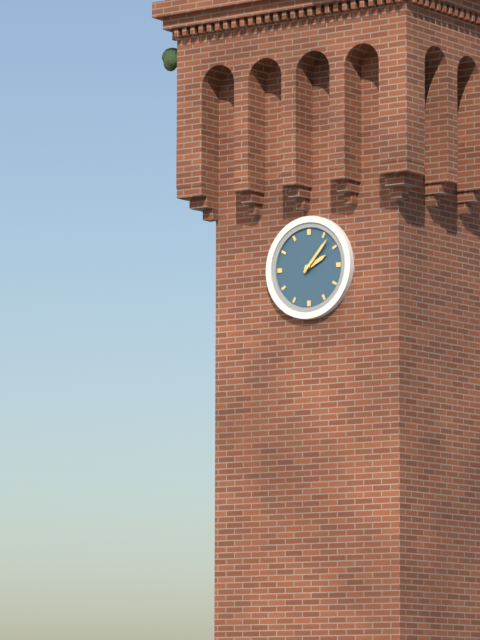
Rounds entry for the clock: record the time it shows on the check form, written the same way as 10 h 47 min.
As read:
2 h 07 min
